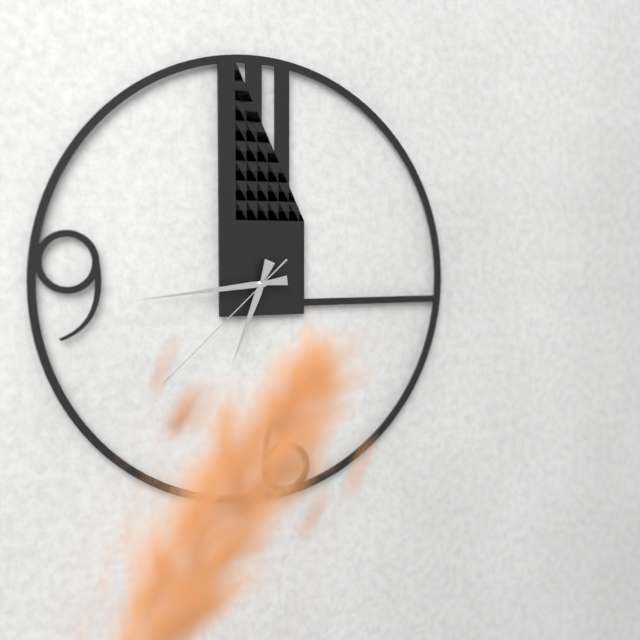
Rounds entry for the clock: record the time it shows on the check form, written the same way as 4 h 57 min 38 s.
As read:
6 h 44 min 38 s
